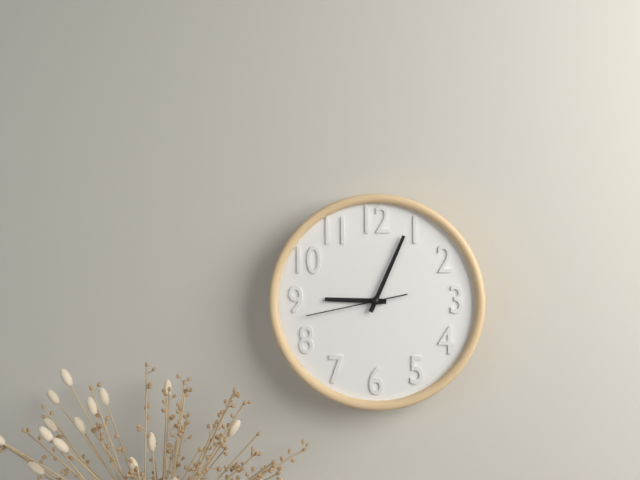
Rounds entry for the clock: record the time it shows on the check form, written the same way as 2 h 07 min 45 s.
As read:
9 h 04 min 43 s
